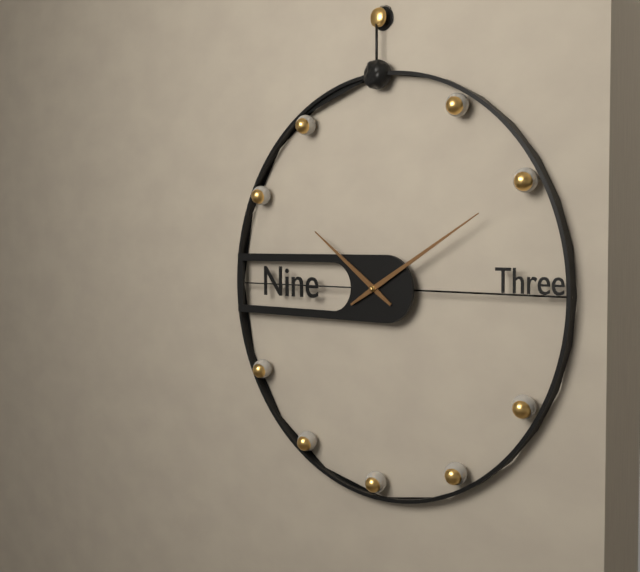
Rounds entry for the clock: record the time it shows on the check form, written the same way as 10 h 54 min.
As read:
10 h 10 min
